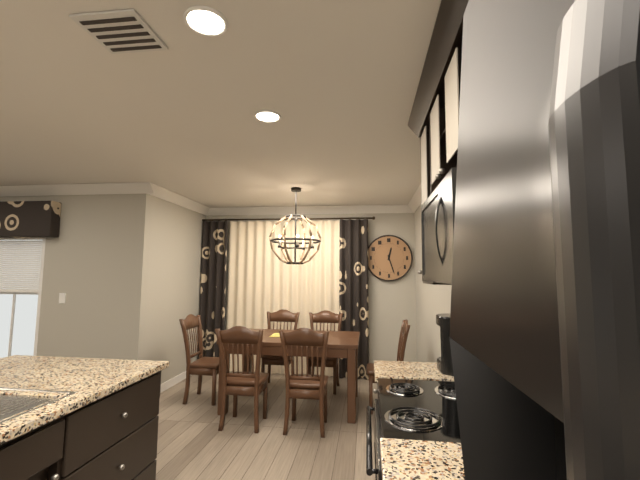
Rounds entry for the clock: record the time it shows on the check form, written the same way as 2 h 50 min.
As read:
12 h 27 min
